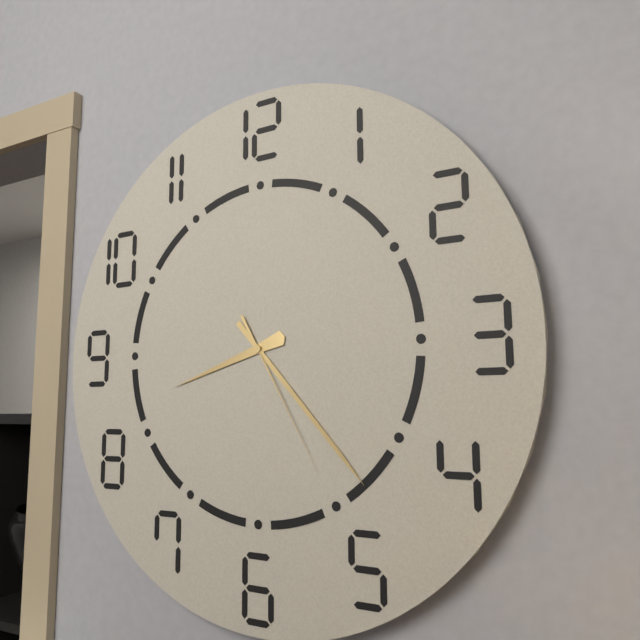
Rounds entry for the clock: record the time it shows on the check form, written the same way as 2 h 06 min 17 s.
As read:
8 h 23 min 25 s
